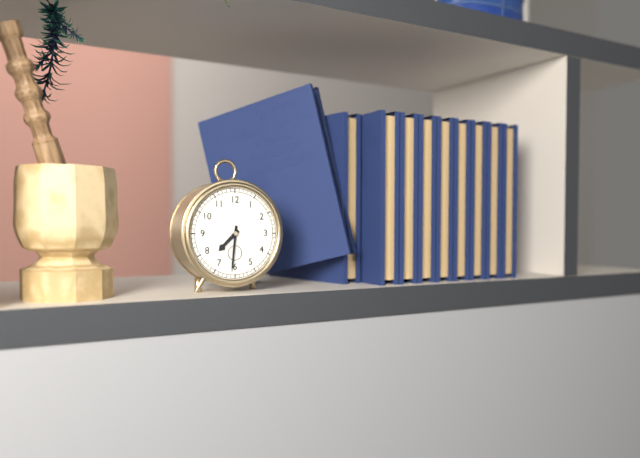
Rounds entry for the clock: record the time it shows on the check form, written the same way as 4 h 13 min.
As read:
7 h 31 min
